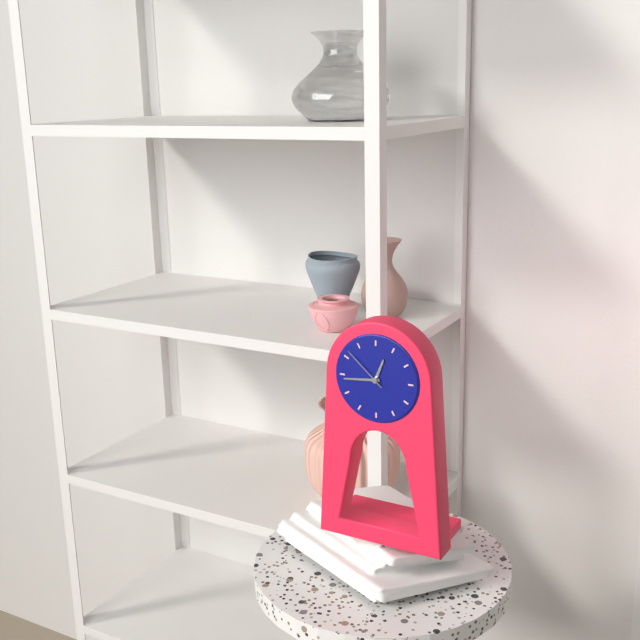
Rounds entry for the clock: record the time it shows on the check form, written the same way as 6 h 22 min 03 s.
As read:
12 h 44 min 52 s
